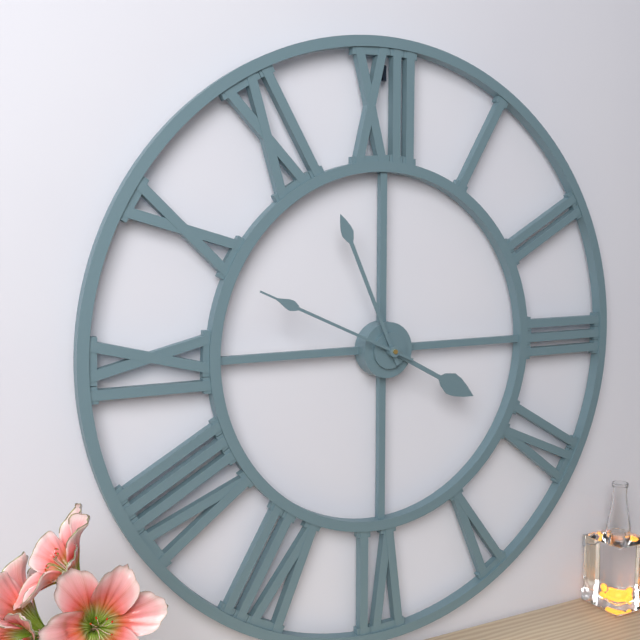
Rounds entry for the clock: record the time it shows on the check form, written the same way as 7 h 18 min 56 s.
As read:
3 h 56 min 49 s
